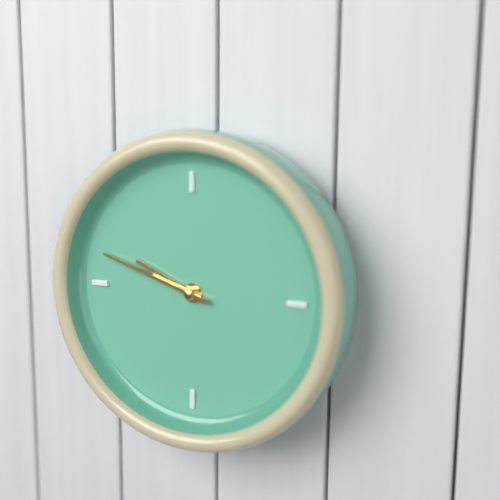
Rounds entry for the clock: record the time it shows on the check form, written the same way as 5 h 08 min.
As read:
9 h 48 min
